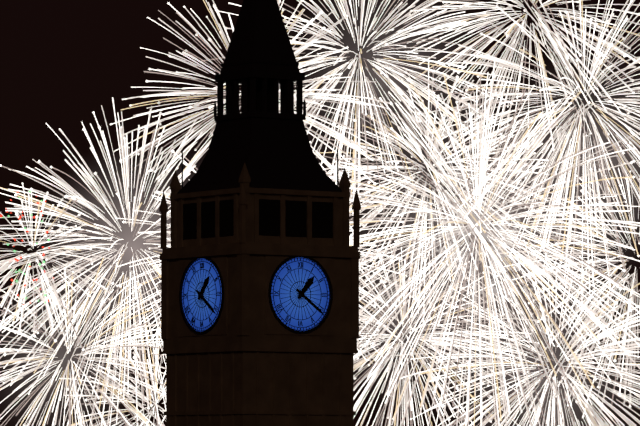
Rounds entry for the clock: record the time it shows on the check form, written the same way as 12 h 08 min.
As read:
1 h 21 min
